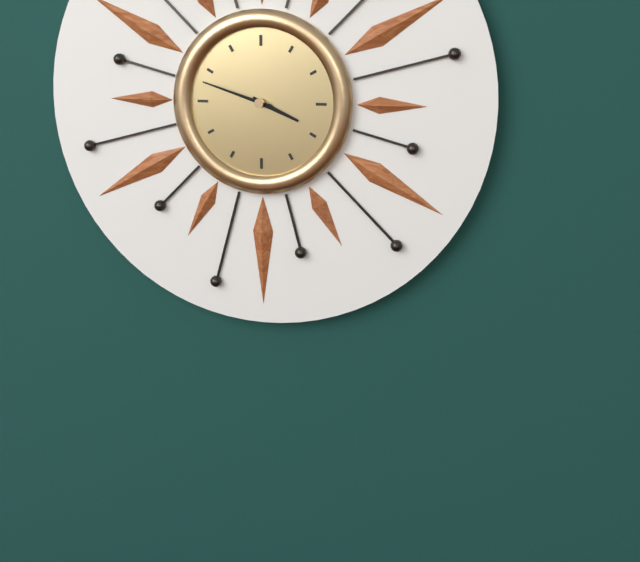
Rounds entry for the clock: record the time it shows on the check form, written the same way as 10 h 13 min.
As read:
3 h 48 min
